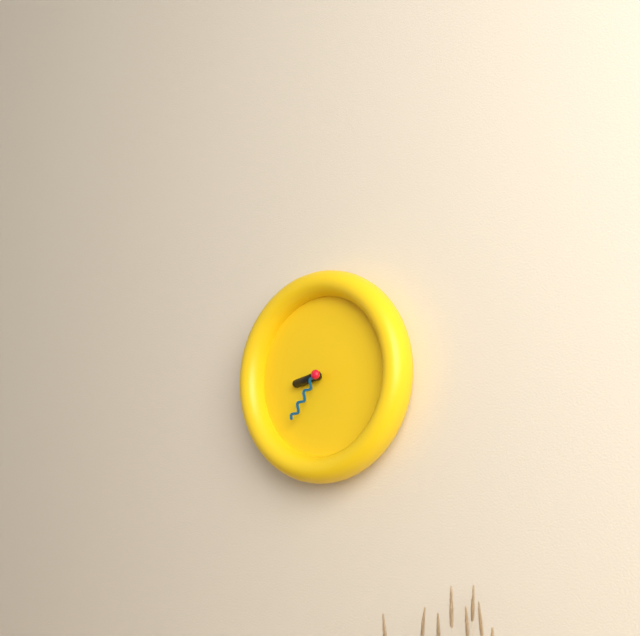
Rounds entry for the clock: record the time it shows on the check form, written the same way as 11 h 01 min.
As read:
8 h 36 min
